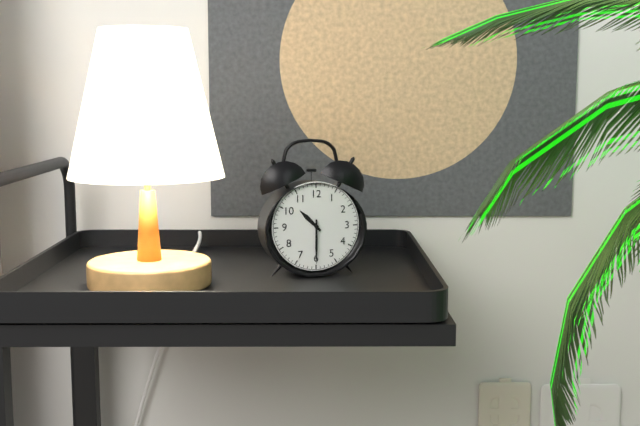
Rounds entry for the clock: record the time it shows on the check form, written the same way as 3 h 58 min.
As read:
10 h 30 min
